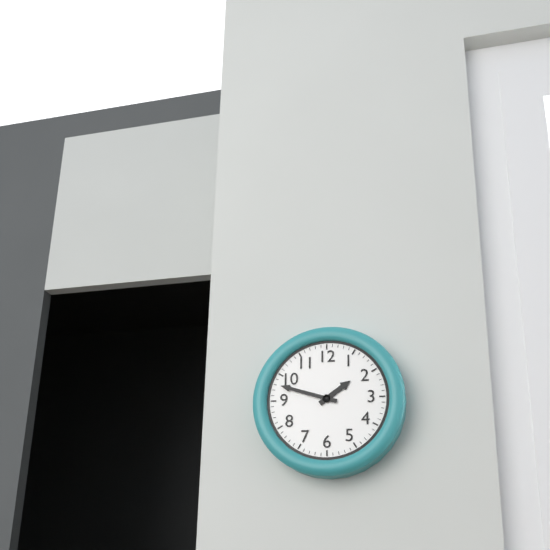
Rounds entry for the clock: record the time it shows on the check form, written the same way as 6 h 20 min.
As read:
1 h 48 min
